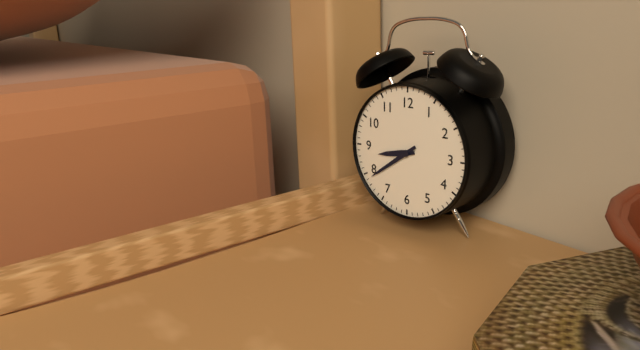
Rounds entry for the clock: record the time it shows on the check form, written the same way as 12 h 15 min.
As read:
8 h 39 min
